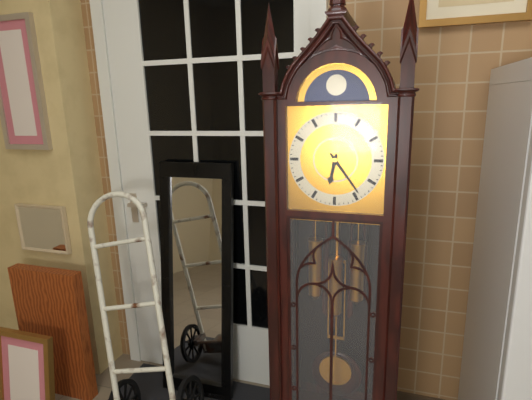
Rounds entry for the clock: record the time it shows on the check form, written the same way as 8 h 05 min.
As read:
6 h 24 min
